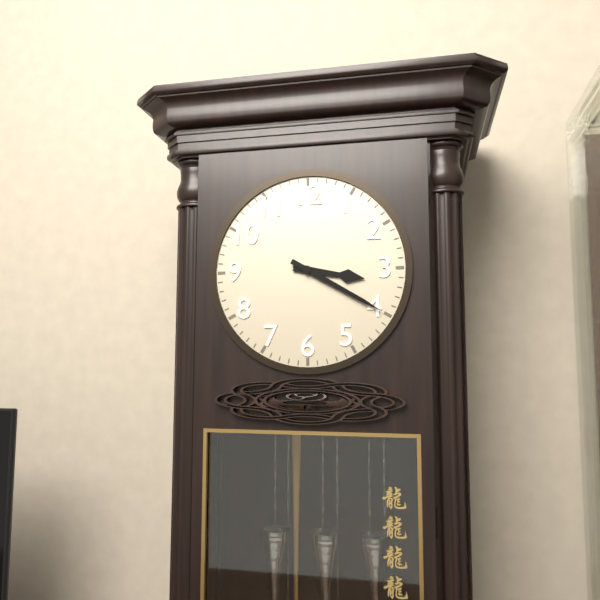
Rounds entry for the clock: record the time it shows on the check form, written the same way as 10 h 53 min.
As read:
3 h 20 min
